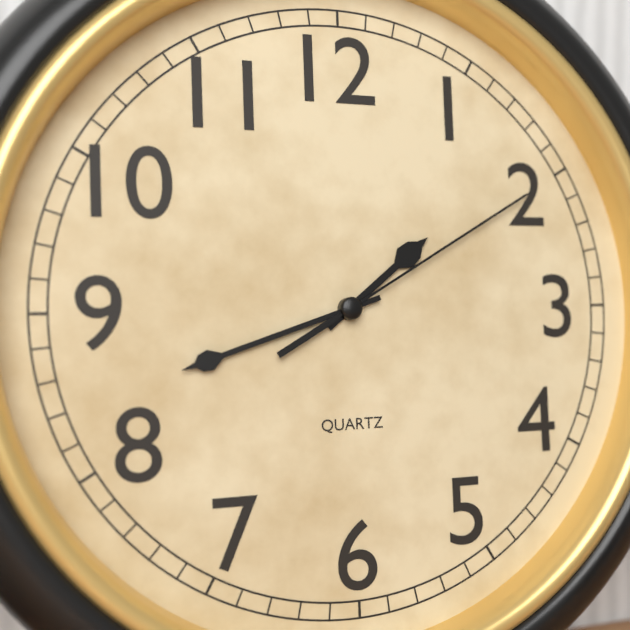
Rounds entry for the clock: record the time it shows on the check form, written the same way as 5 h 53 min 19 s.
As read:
1 h 42 min 10 s
